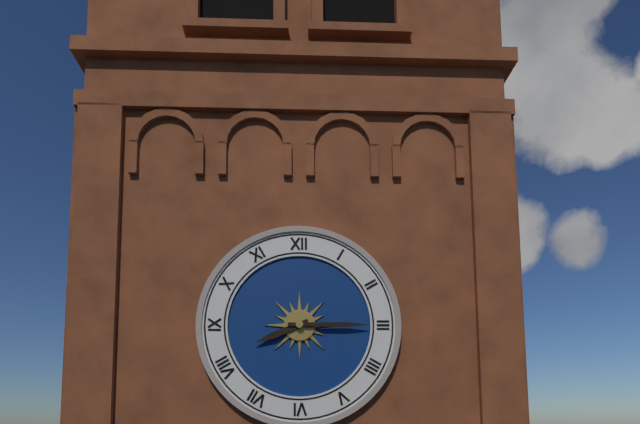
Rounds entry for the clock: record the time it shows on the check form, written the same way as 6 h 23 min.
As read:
8 h 15 min
